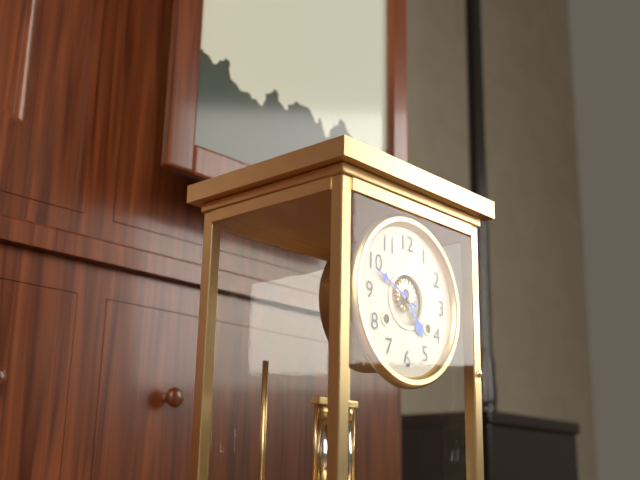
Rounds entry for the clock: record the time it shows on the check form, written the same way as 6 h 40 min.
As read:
4 h 49 min
